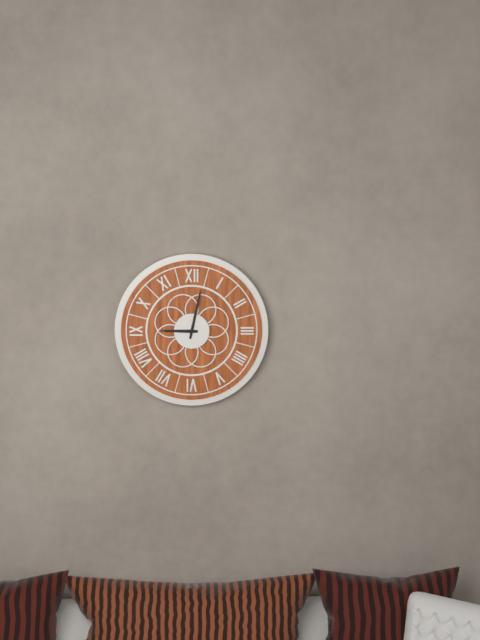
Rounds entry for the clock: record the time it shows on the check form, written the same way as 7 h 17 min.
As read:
9 h 02 min
